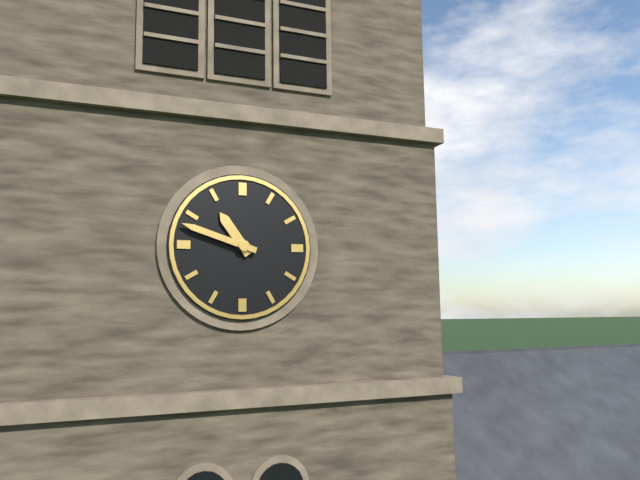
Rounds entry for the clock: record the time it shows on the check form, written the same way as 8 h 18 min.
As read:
10 h 48 min
